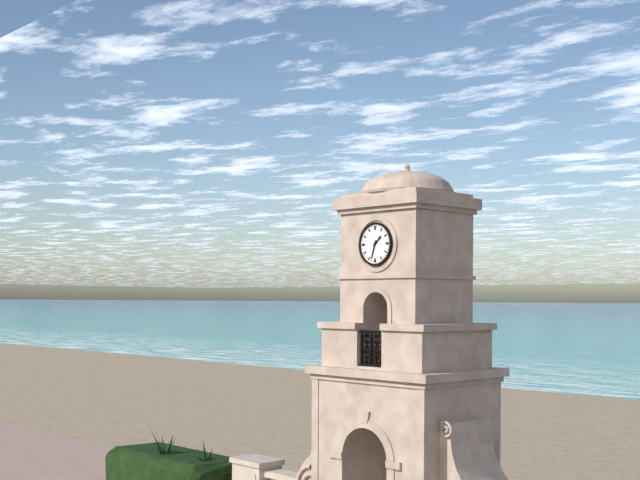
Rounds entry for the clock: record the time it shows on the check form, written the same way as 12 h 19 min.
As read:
1 h 33 min
